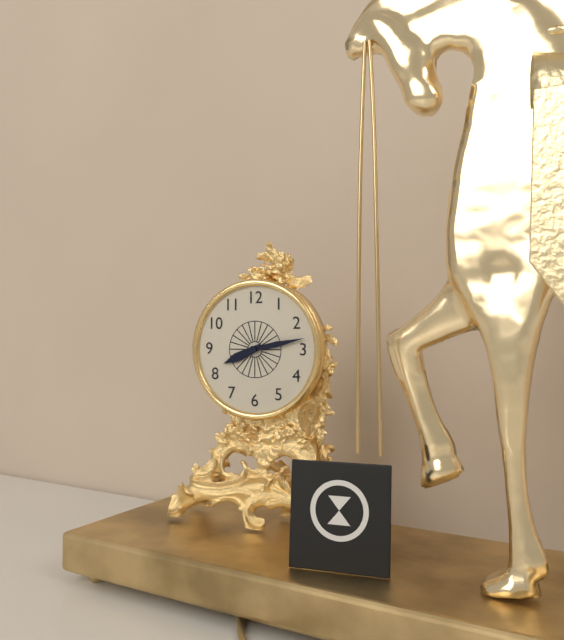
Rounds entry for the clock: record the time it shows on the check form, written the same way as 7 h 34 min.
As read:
8 h 13 min
